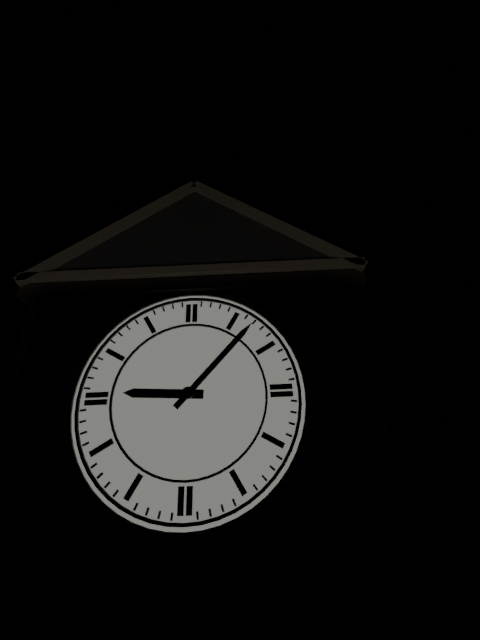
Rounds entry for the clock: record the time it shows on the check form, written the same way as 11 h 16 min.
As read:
9 h 07 min
